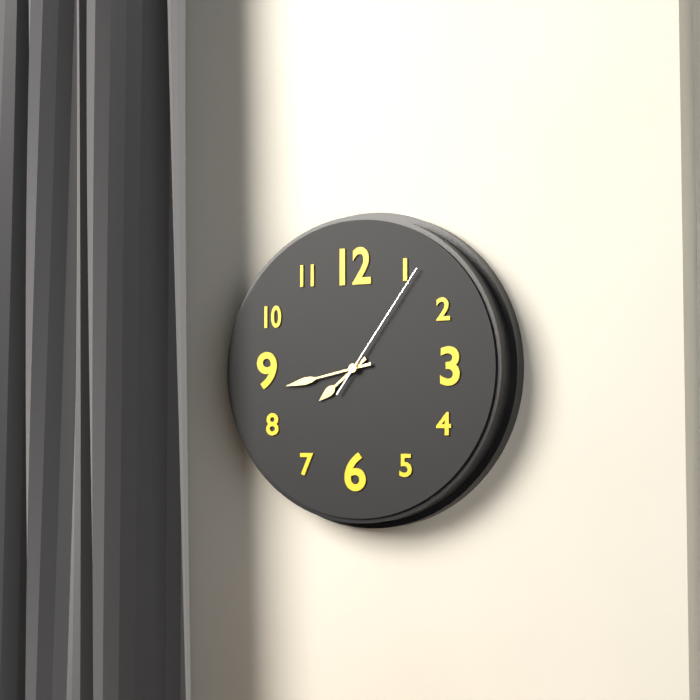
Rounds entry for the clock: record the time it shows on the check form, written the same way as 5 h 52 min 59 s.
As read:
7 h 43 min 06 s
